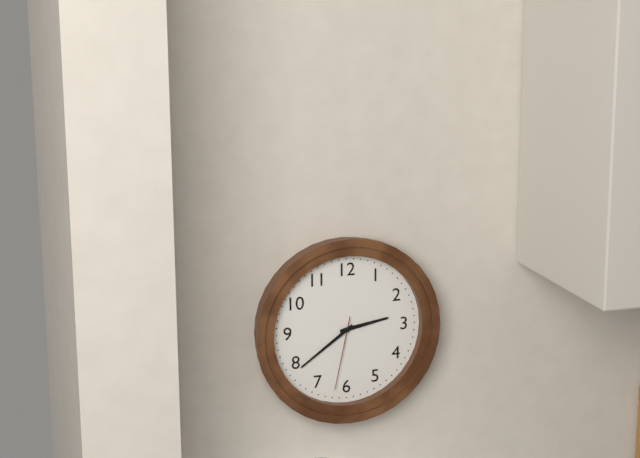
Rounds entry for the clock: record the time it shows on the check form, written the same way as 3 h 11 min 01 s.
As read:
2 h 39 min 32 s
